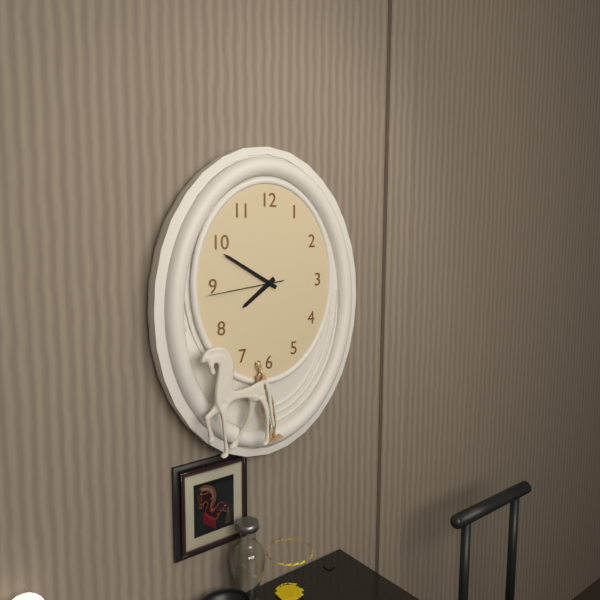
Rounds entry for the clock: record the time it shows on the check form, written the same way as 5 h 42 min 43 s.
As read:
7 h 50 min 44 s
